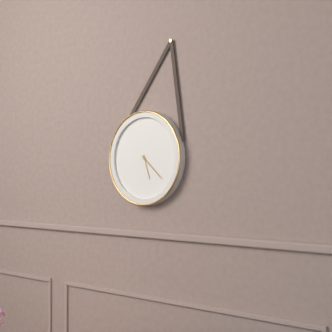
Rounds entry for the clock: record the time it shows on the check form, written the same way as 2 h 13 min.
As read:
5 h 22 min
